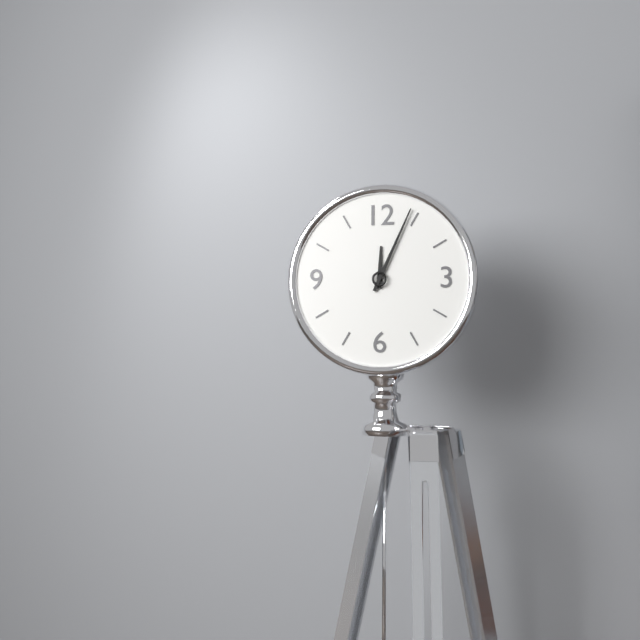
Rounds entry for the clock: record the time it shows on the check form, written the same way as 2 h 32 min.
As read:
12 h 04 min
